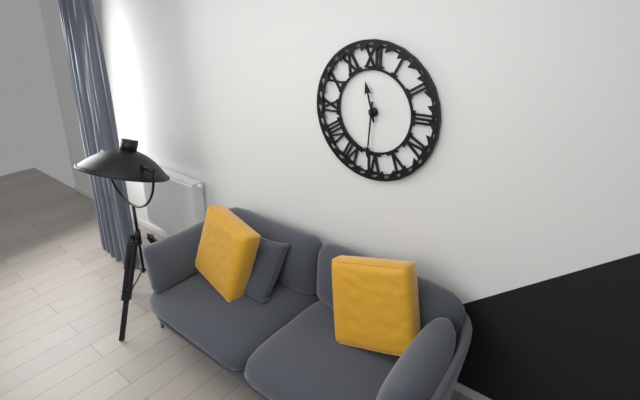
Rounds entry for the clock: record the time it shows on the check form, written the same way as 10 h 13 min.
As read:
11 h 31 min
